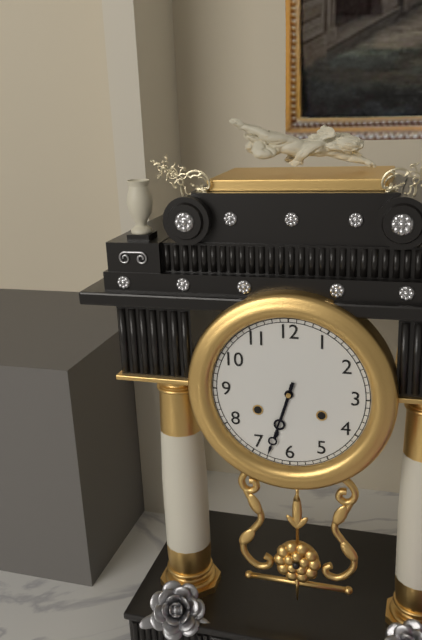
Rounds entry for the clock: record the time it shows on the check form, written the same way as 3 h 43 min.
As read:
6 h 33 min
